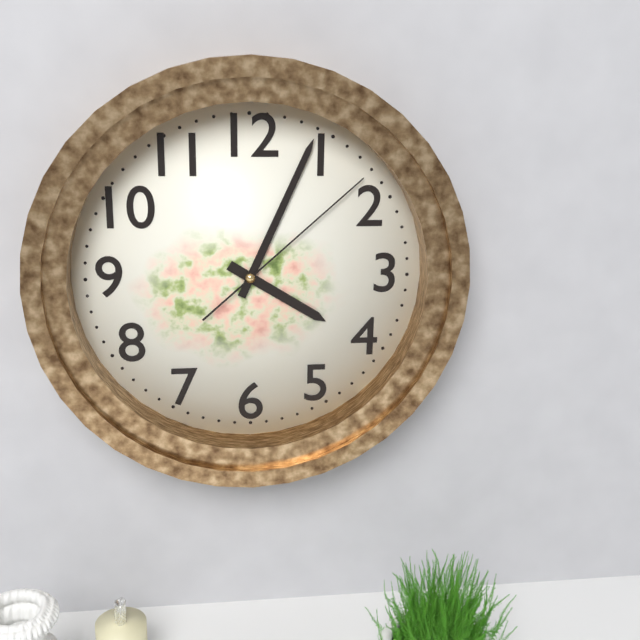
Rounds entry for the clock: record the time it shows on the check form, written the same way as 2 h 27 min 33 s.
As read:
4 h 04 min 08 s
